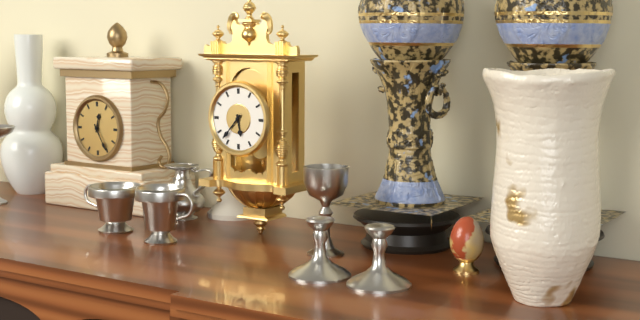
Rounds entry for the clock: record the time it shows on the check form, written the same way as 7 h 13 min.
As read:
5 h 37 min
